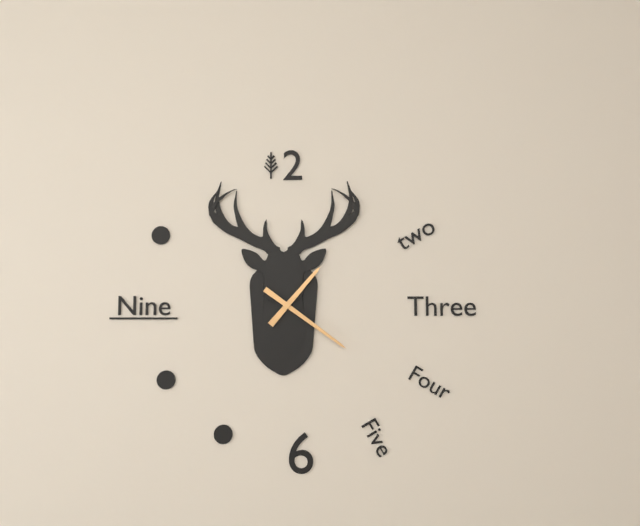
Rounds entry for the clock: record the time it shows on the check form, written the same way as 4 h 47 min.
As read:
1 h 21 min
